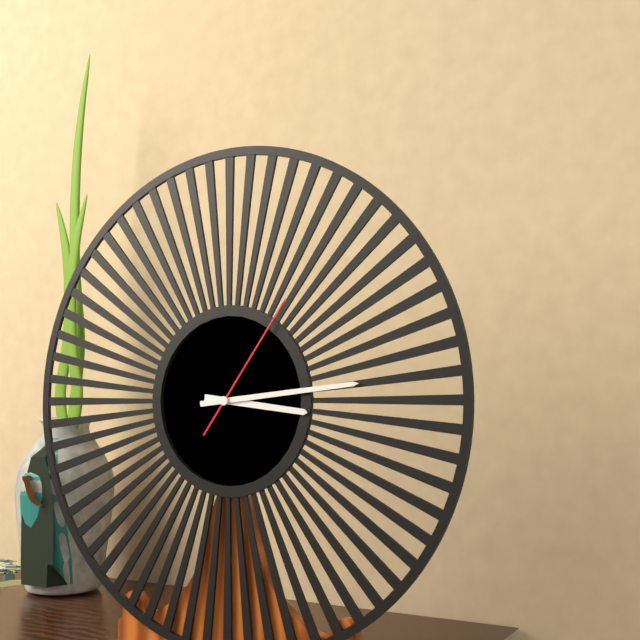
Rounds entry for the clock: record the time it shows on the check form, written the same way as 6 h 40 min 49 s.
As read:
3 h 14 min 06 s
